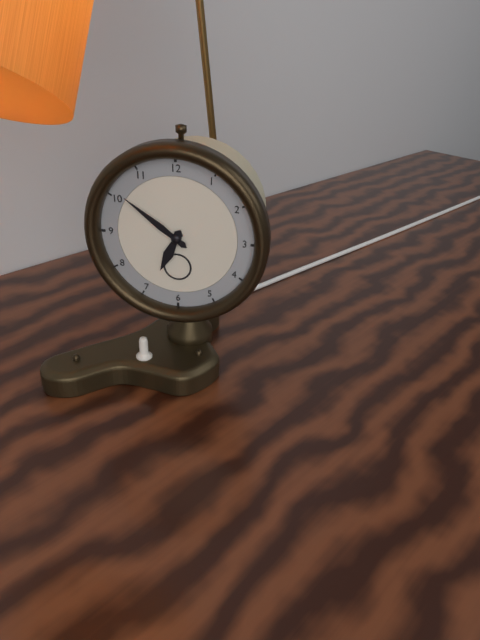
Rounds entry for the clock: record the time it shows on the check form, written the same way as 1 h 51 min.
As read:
6 h 51 min
